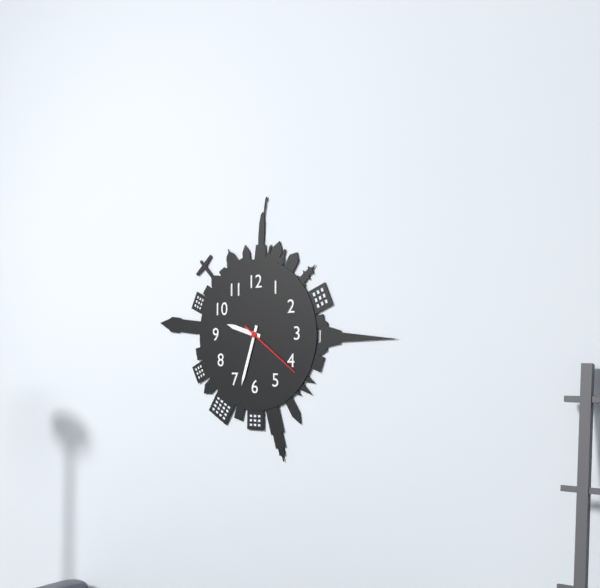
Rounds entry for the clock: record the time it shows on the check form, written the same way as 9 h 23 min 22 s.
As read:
9 h 33 min 21 s
